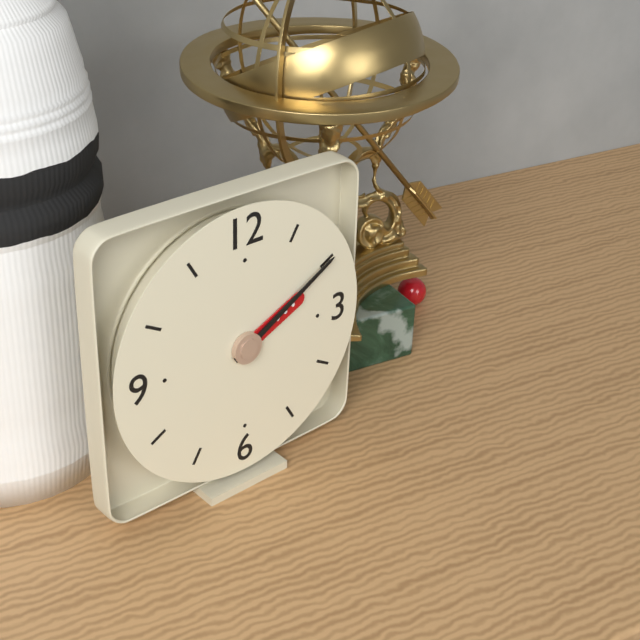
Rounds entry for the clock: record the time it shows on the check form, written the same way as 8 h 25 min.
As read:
2 h 10 min
